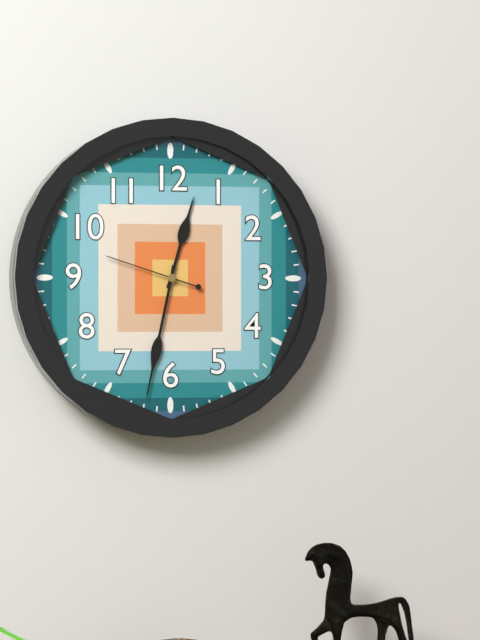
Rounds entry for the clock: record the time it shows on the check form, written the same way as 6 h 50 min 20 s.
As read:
12 h 32 min 48 s
